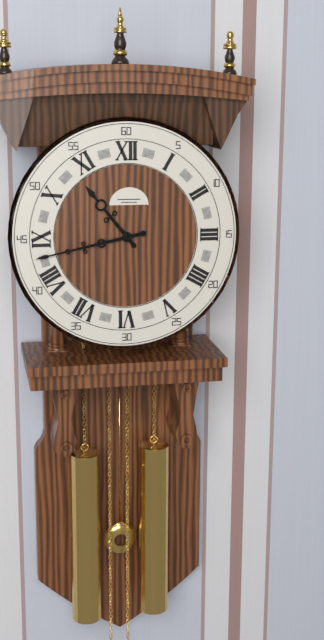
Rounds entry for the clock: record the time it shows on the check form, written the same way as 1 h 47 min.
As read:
10 h 43 min
